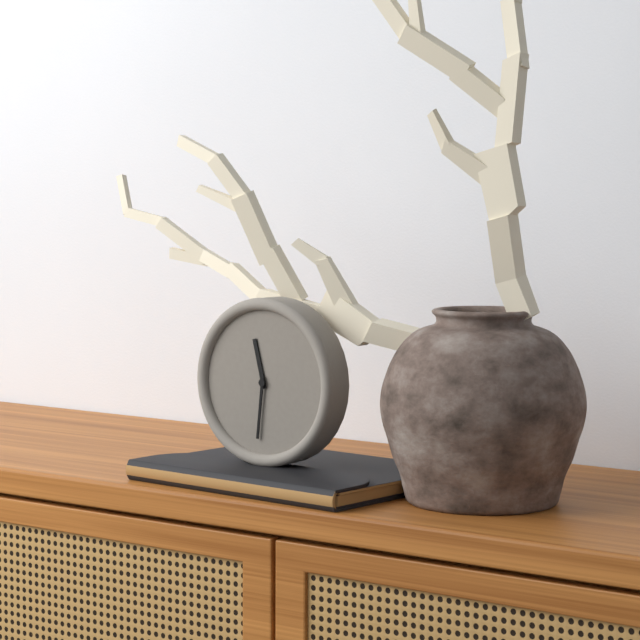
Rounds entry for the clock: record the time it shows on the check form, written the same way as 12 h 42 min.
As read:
11 h 31 min
